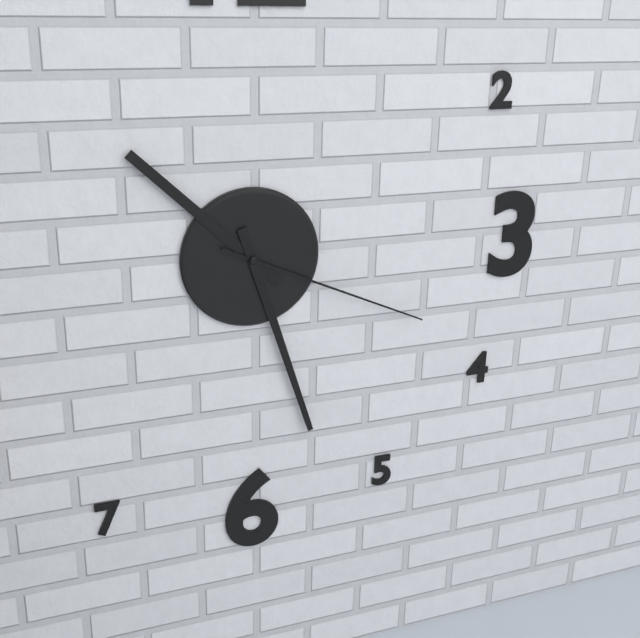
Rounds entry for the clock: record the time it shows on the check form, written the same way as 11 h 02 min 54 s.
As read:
10 h 27 min 19 s
